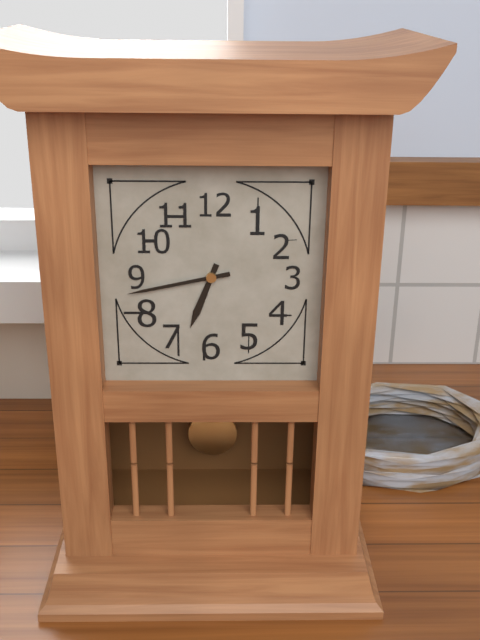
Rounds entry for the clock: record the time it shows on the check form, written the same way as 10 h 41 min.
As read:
6 h 43 min
